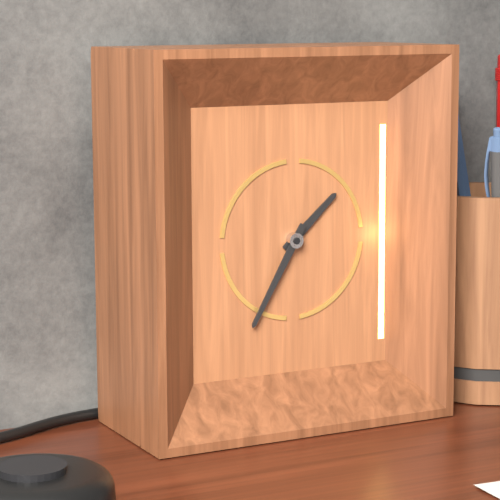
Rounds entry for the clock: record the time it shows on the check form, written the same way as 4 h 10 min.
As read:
1 h 35 min
